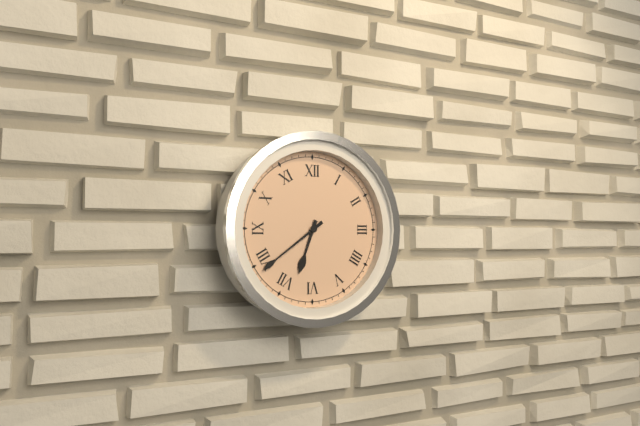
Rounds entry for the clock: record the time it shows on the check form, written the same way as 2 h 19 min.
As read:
6 h 39 min
